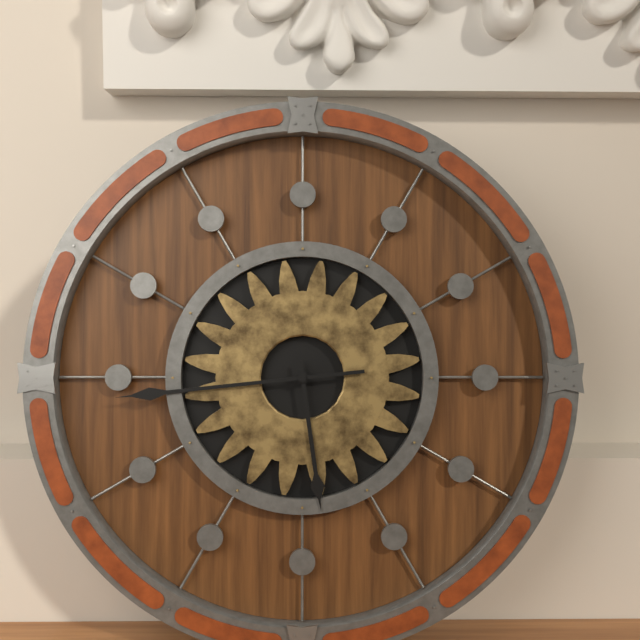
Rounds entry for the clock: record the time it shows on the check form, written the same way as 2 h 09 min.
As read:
5 h 44 min
